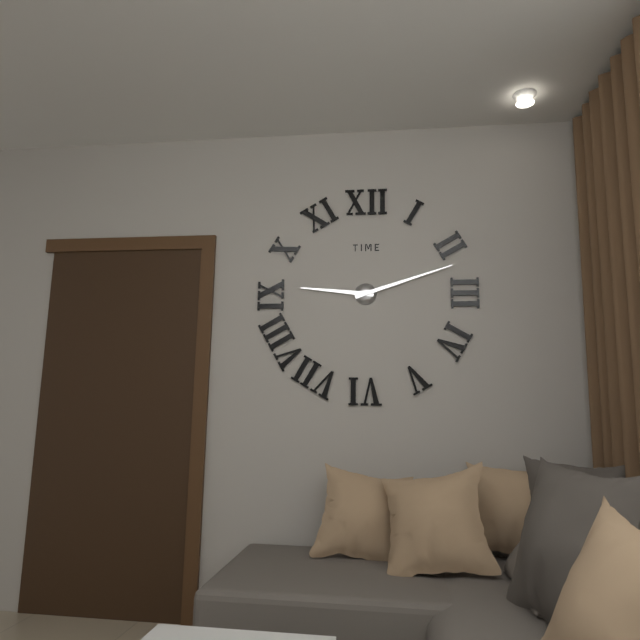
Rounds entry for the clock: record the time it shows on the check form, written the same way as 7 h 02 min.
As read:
9 h 12 min
